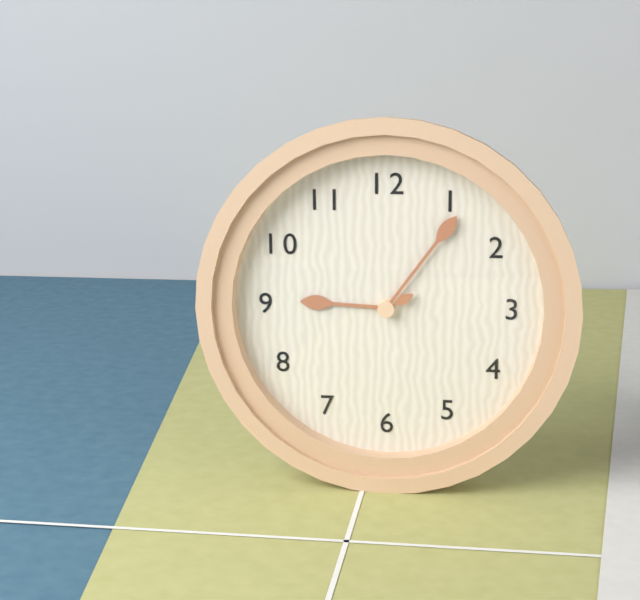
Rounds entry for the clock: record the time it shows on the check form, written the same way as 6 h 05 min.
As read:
9 h 06 min
